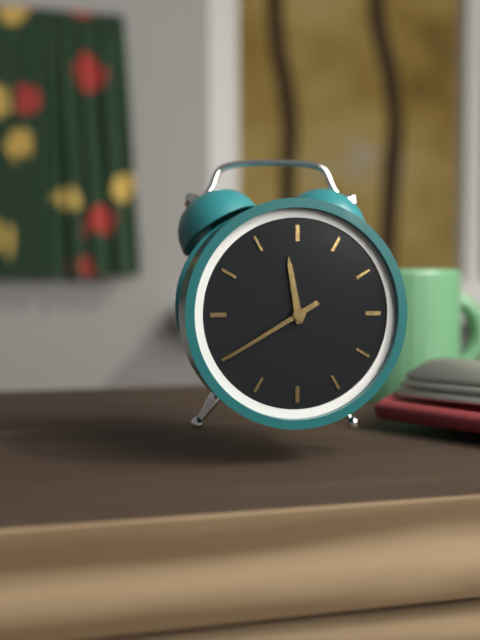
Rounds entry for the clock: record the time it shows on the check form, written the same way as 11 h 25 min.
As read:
11 h 40 min
